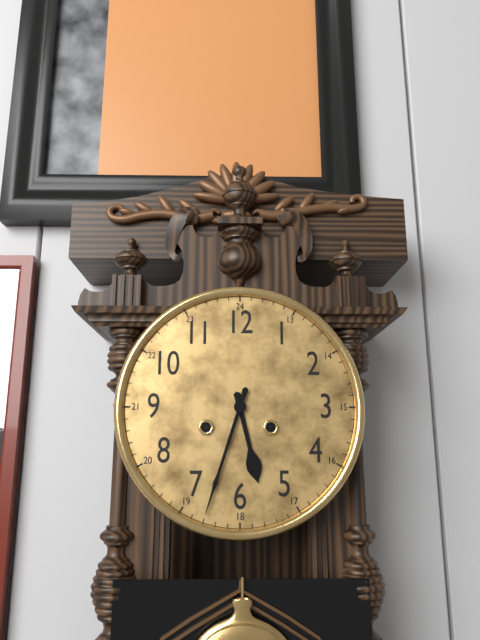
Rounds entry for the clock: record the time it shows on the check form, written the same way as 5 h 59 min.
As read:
5 h 33 min
